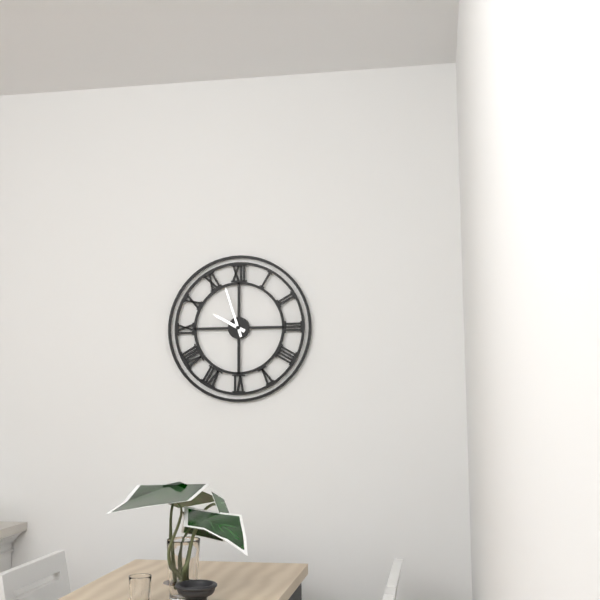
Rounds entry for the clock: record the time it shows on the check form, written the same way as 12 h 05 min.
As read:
9 h 57 min
